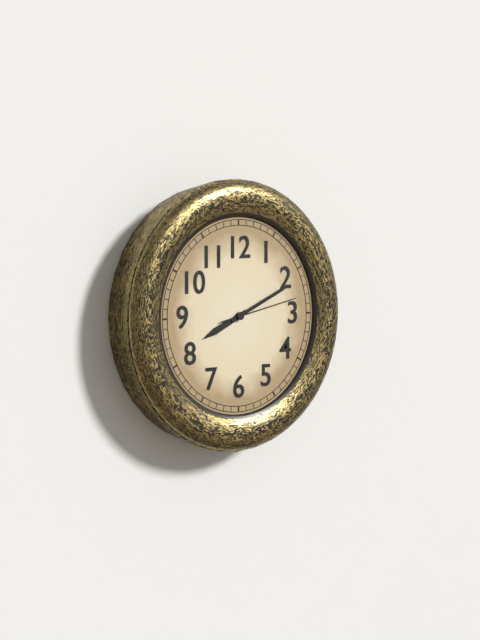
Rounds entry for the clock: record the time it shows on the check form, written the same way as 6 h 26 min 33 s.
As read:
8 h 11 min 13 s
